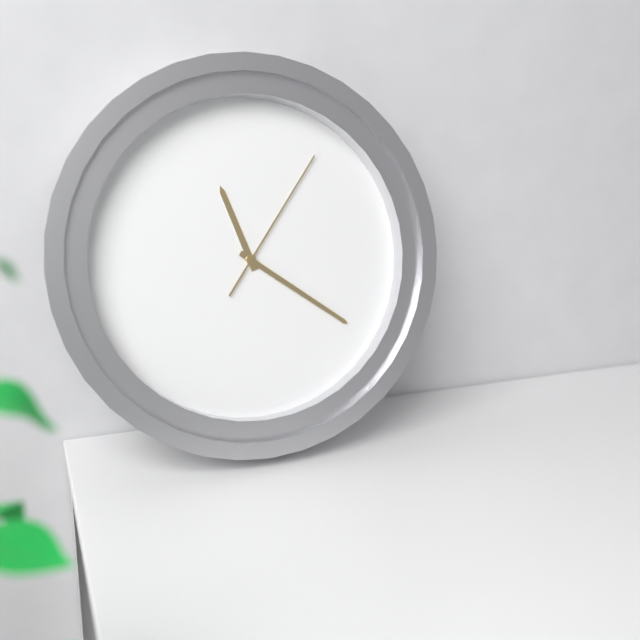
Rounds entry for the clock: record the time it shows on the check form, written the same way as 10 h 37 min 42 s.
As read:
11 h 21 min 06 s
